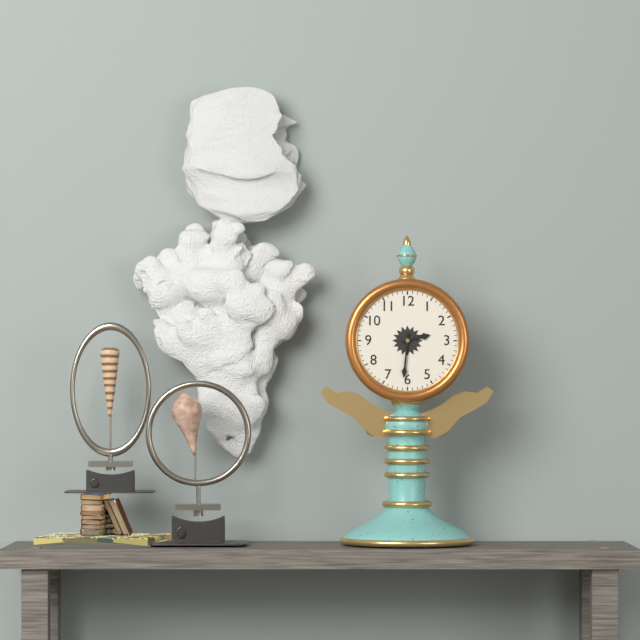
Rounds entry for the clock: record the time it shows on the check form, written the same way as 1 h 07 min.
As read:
2 h 31 min
